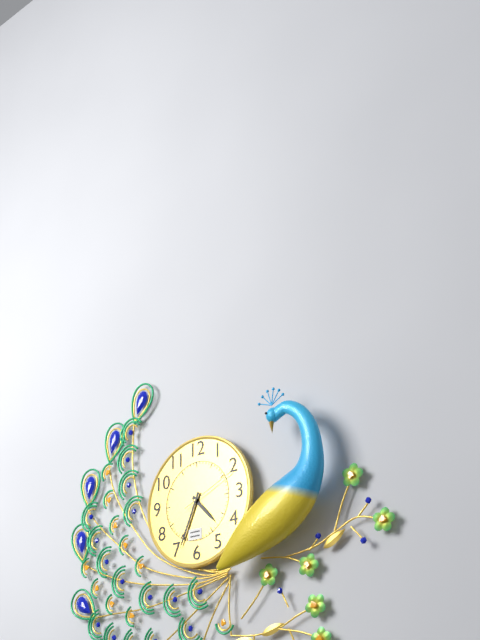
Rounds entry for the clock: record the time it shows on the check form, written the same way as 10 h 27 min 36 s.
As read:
4 h 34 min 11 s
